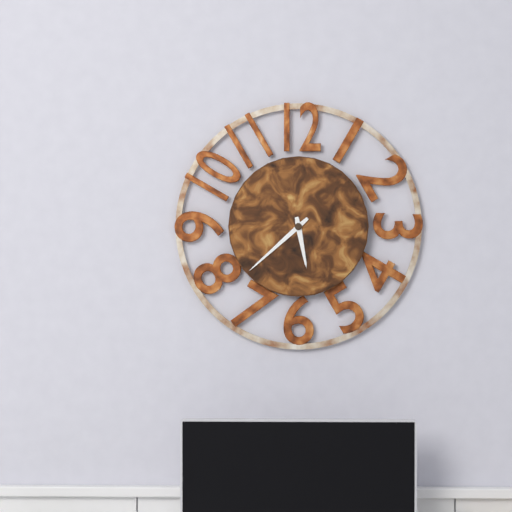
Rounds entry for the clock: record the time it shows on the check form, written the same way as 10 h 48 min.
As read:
5 h 38 min
